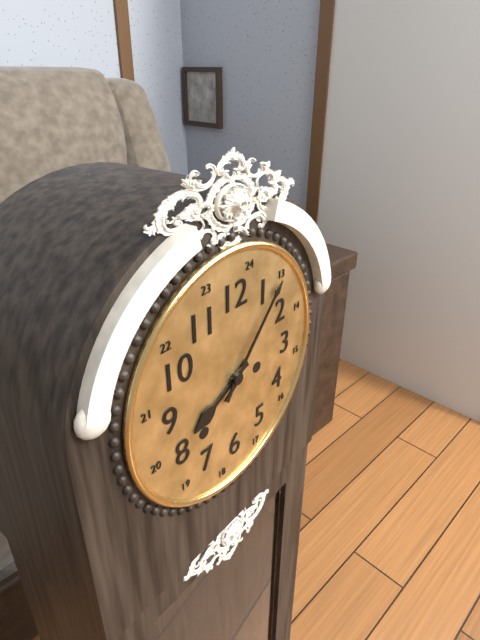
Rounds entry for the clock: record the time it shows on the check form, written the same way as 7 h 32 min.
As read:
8 h 07 min
